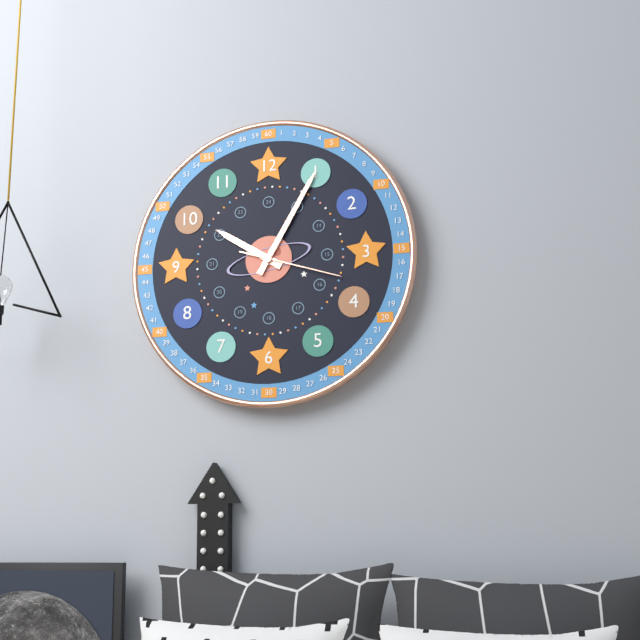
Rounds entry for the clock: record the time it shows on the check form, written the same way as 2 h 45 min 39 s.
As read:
10 h 05 min 18 s
